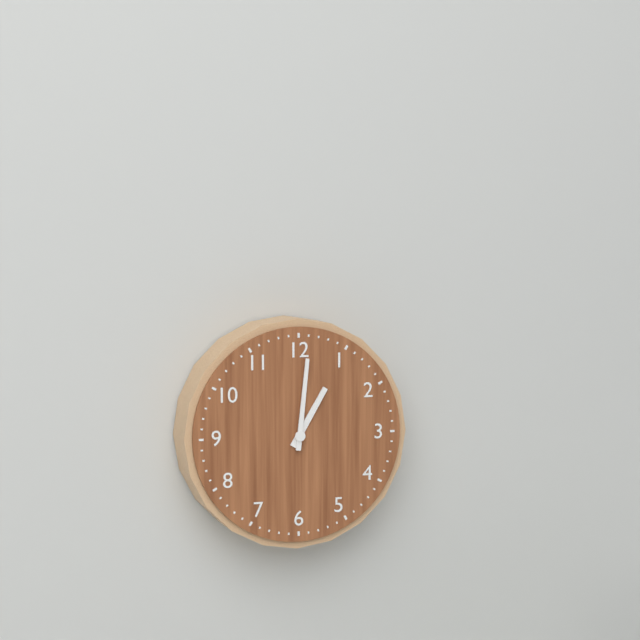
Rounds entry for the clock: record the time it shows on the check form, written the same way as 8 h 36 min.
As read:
1 h 01 min
